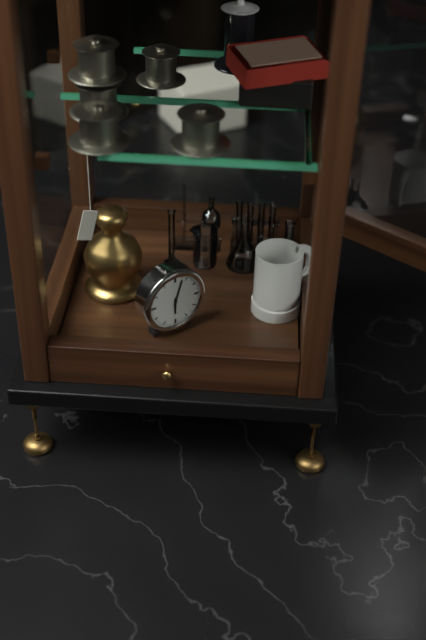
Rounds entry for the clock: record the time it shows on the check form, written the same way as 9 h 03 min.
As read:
6 h 03 min
